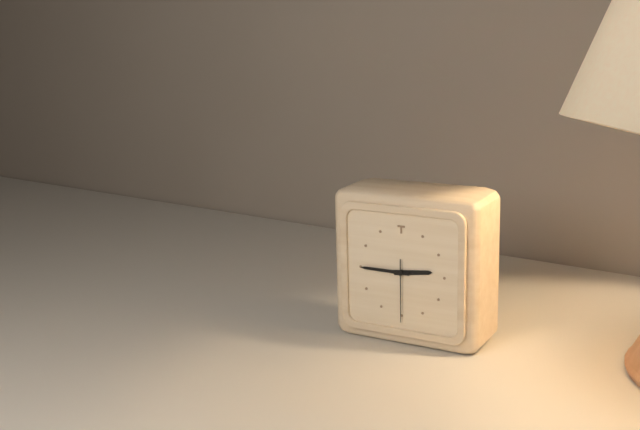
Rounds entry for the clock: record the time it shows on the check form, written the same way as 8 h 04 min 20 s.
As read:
2 h 45 min 30 s
